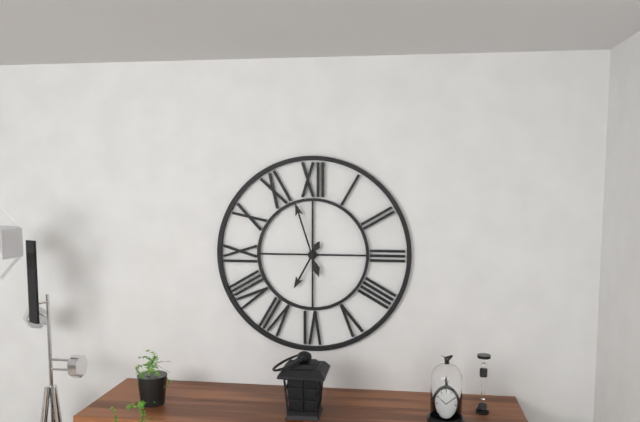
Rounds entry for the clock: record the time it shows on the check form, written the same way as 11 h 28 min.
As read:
6 h 57 min
